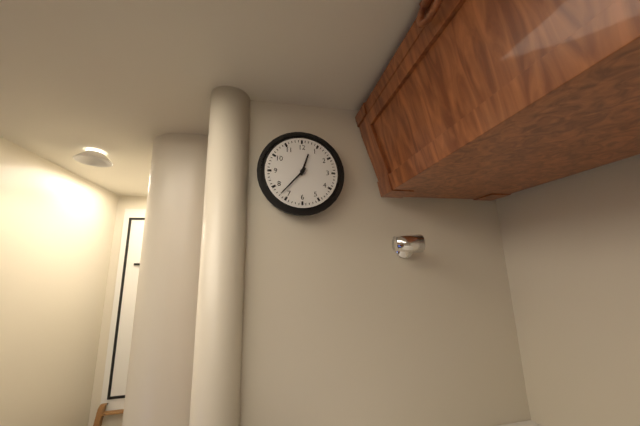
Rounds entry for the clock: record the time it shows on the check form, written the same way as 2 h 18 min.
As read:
12 h 37 min
